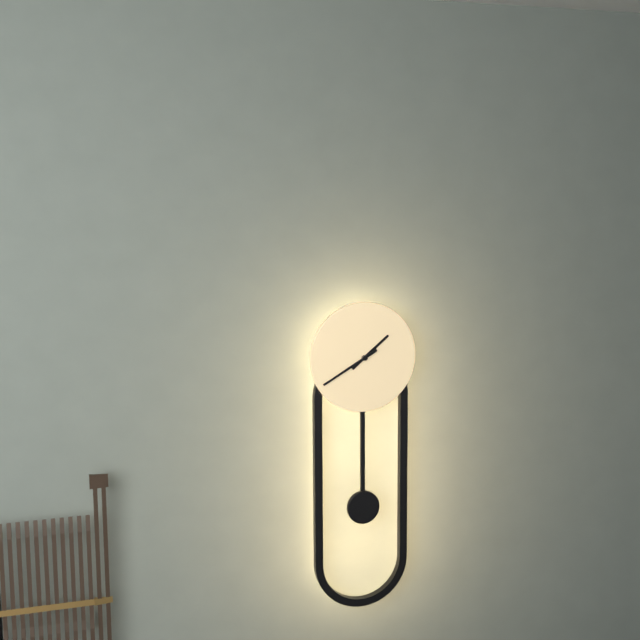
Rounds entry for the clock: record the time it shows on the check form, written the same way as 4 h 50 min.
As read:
1 h 40 min
